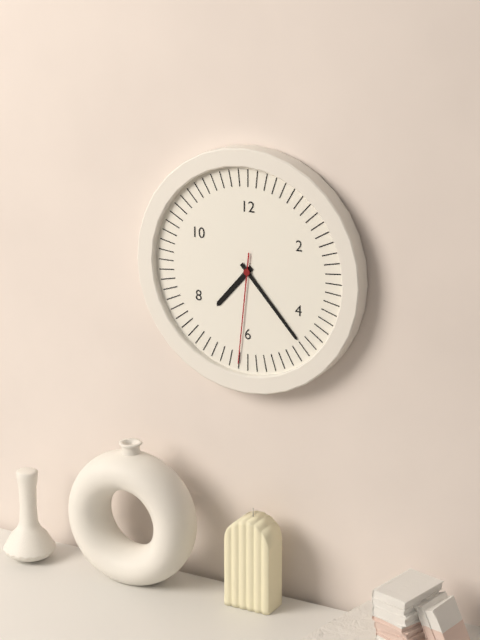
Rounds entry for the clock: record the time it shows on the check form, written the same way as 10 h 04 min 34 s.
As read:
7 h 23 min 31 s
